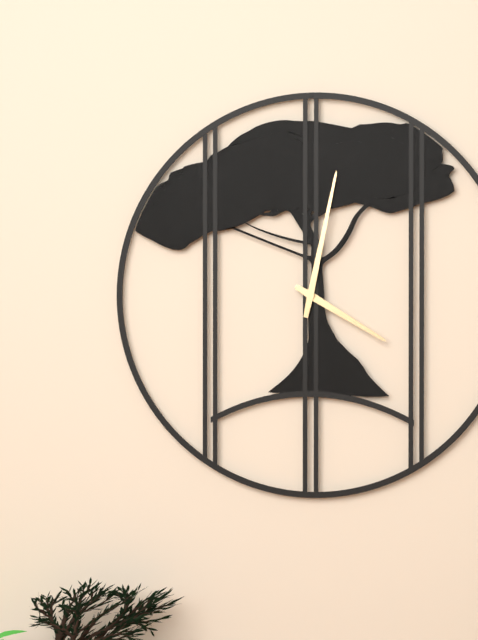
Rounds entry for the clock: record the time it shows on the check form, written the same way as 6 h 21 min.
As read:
4 h 02 min
